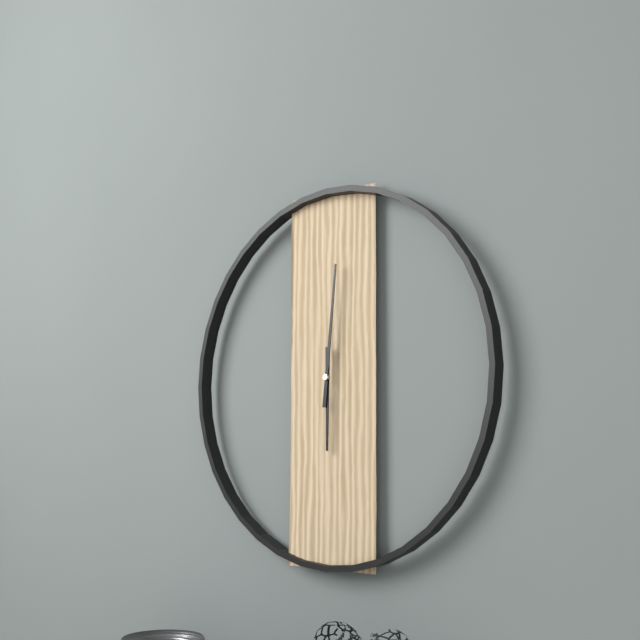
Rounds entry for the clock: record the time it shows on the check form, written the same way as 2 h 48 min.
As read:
6 h 01 min
